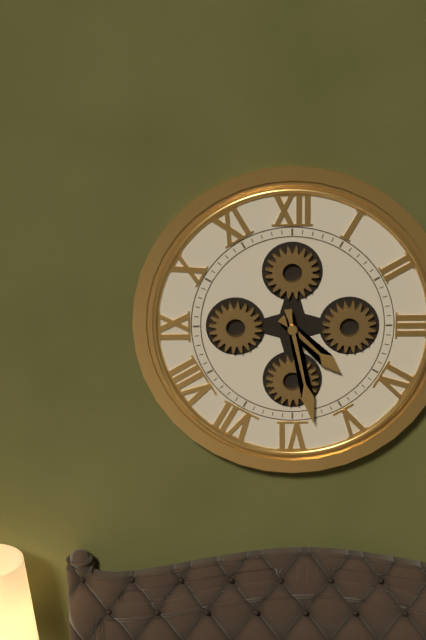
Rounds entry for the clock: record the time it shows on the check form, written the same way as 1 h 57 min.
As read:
4 h 28 min
